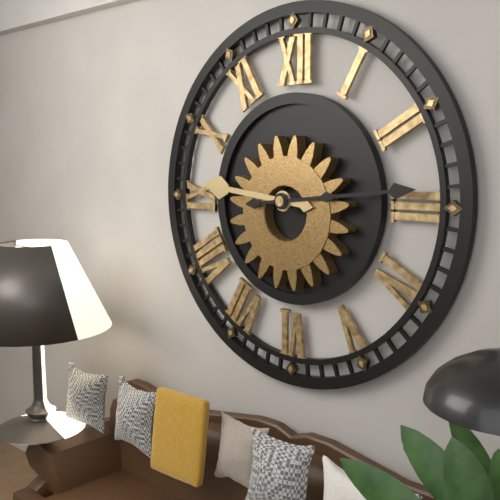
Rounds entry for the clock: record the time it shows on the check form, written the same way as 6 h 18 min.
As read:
9 h 14 min
